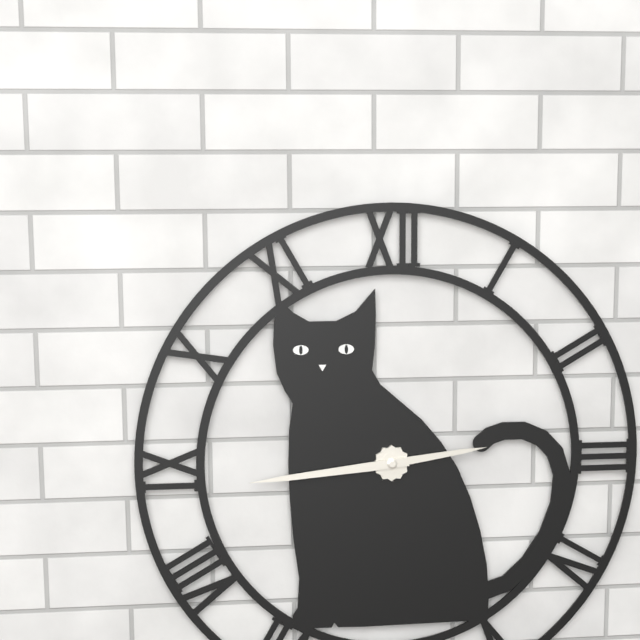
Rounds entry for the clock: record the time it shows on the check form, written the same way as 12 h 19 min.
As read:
2 h 44 min
